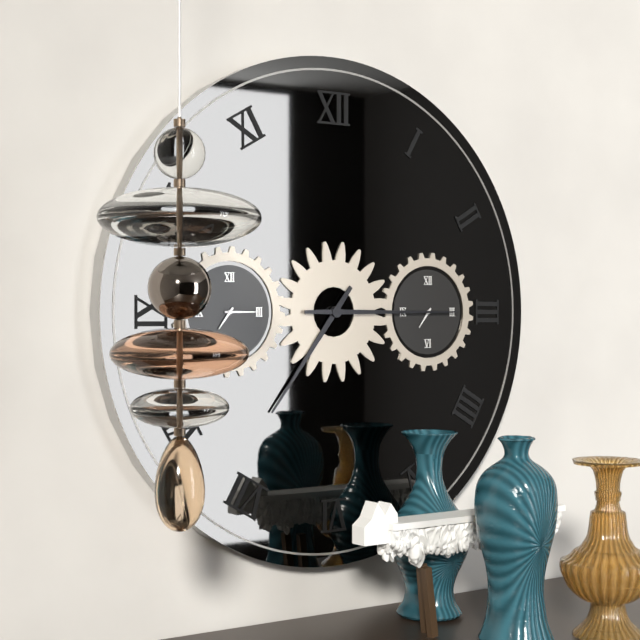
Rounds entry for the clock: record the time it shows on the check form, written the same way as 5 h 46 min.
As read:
7 h 15 min
